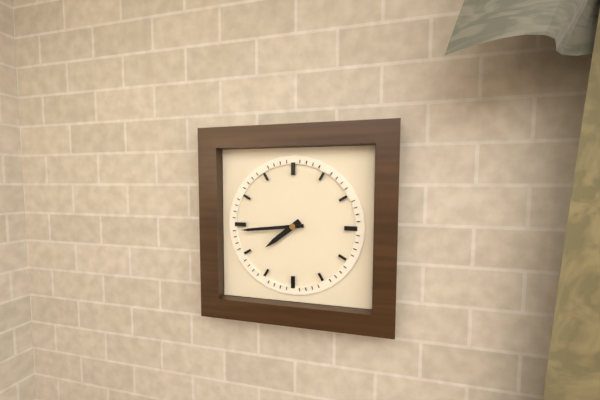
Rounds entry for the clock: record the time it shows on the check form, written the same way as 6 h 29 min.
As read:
7 h 44 min
